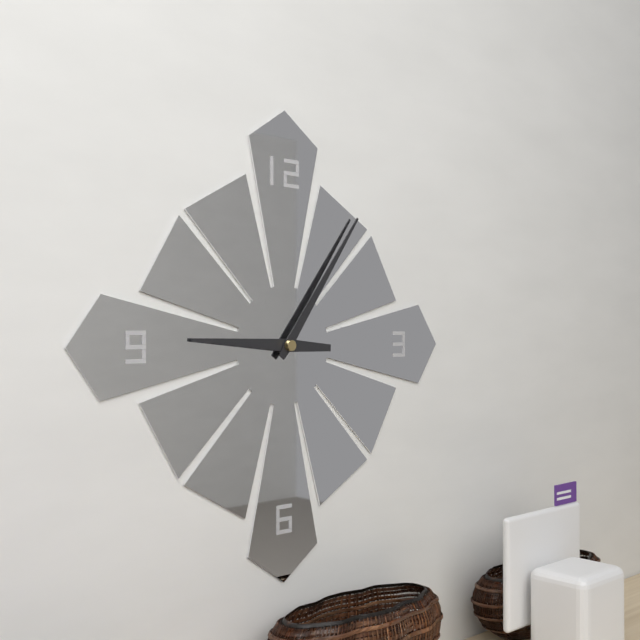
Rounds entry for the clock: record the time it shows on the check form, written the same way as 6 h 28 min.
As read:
9 h 06 min
